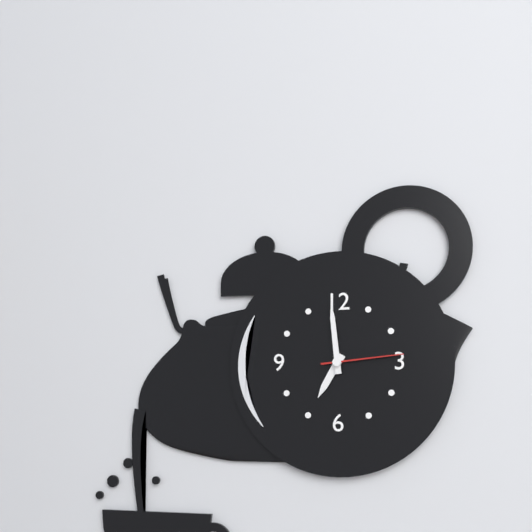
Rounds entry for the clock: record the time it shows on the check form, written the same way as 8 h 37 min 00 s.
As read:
6 h 59 min 14 s
